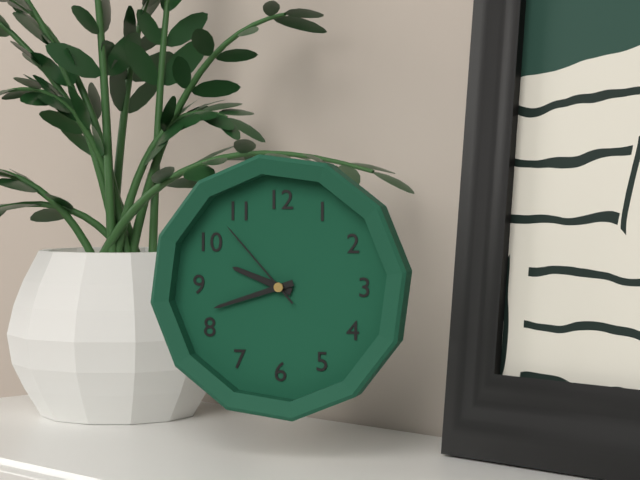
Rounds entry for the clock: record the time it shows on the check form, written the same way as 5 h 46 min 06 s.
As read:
9 h 42 min 53 s
